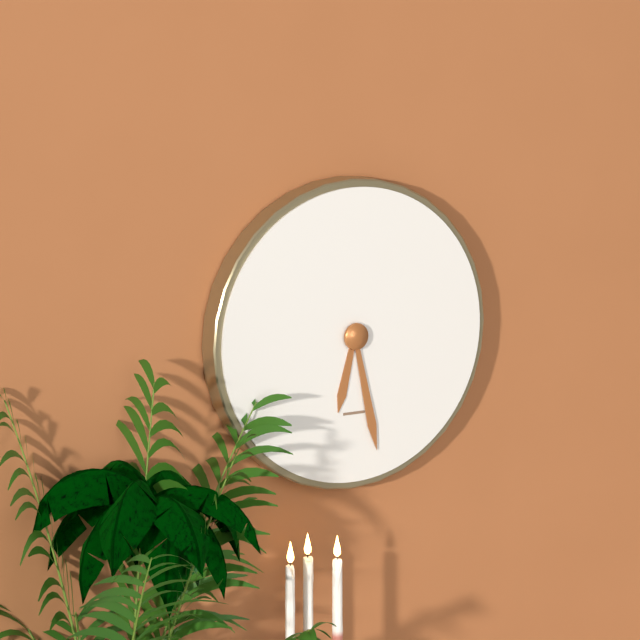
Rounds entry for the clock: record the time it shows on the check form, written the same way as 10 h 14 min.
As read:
6 h 28 min
